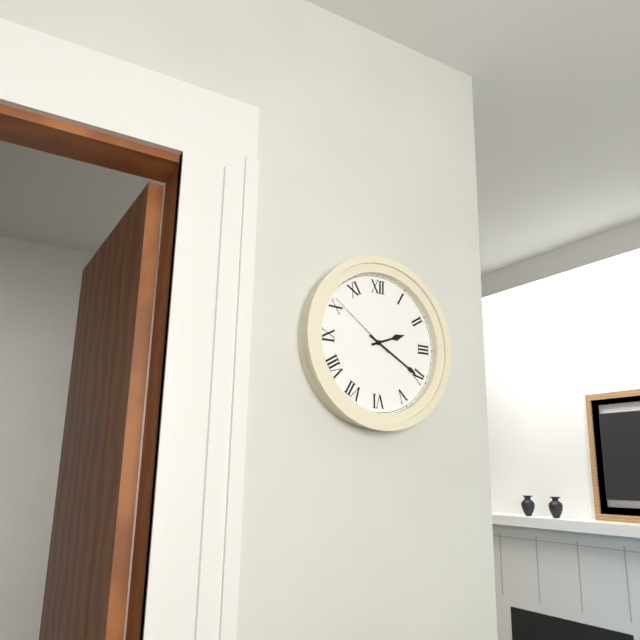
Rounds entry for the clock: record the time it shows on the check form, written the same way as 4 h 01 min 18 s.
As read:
2 h 20 min 51 s
